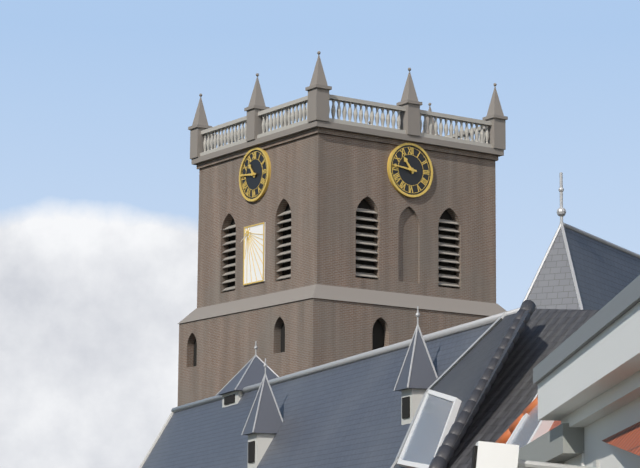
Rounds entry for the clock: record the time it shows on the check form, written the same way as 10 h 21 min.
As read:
10 h 46 min
